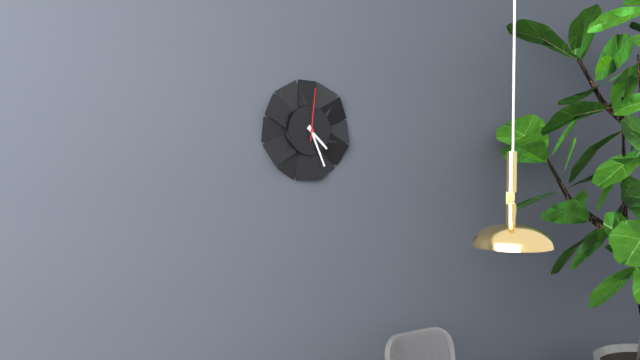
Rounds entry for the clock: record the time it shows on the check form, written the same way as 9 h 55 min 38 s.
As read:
4 h 26 min 01 s
